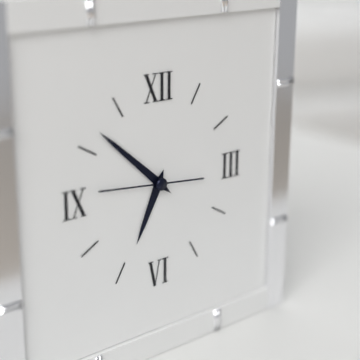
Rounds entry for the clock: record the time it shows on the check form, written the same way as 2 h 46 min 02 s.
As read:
6 h 52 min 46 s
